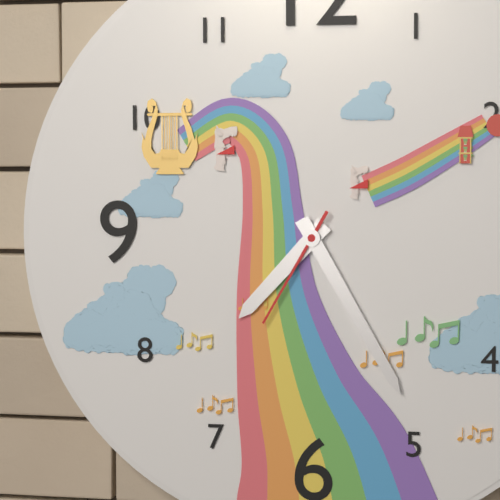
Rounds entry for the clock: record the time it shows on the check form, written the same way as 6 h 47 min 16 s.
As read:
7 h 25 min 35 s
